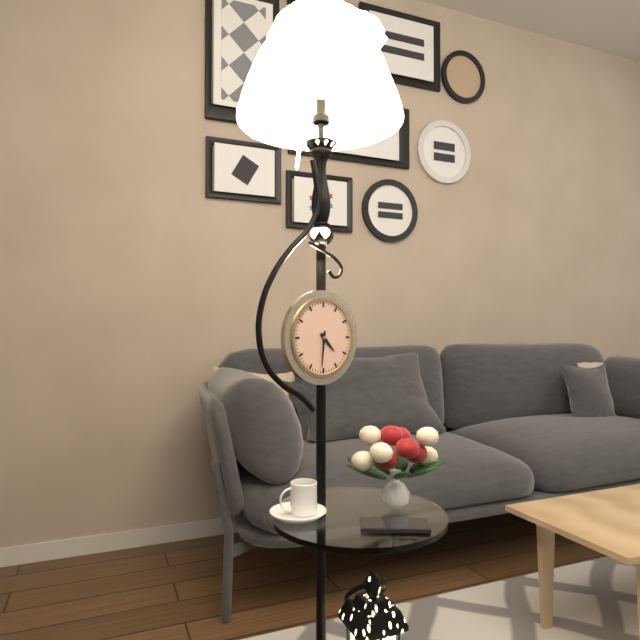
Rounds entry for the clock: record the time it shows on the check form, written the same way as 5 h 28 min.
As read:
4 h 31 min
